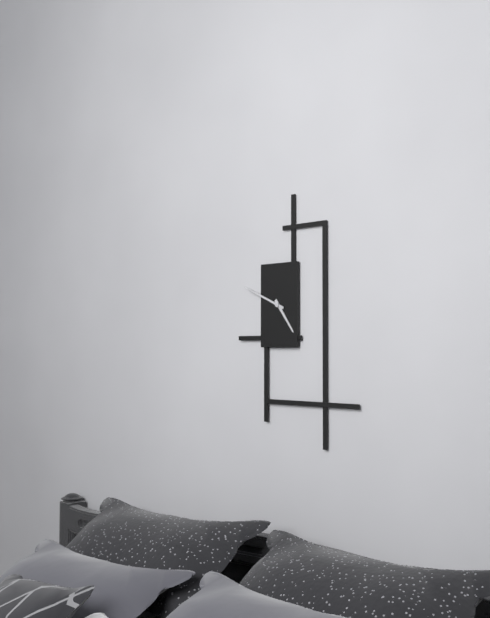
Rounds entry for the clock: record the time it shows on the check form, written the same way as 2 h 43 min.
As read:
4 h 49 min
